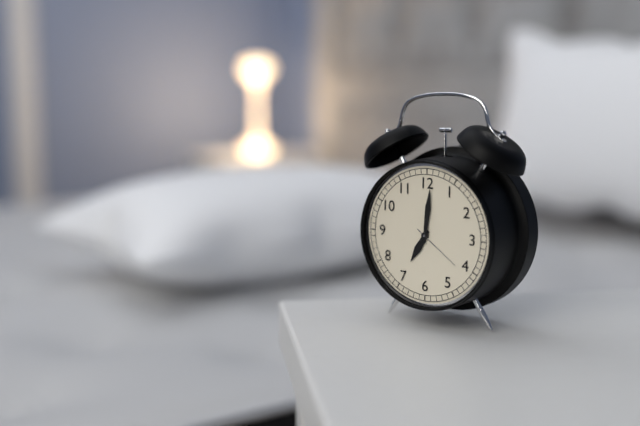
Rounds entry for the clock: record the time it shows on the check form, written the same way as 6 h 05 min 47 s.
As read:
7 h 01 min 21 s
